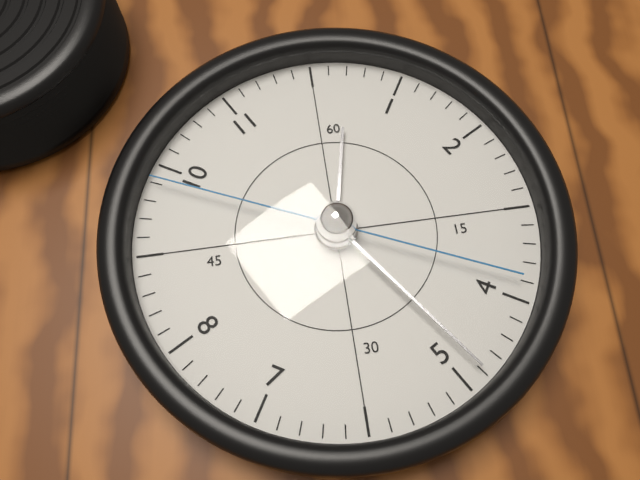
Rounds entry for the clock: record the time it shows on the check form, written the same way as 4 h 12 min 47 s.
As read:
12 h 24 min 49 s
